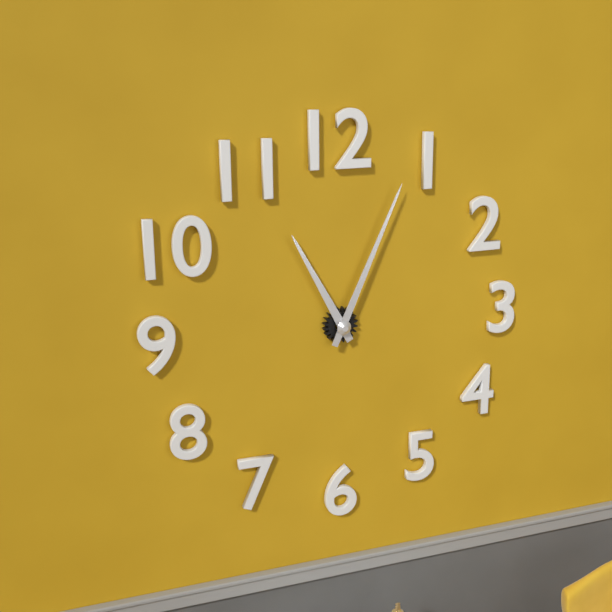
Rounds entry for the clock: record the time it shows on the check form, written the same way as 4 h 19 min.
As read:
11 h 04 min
